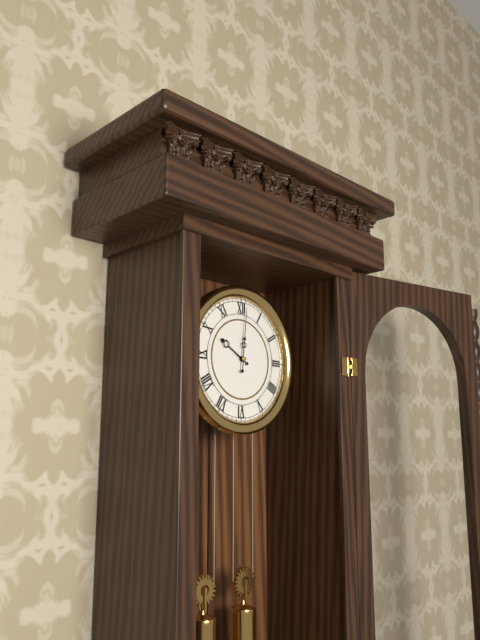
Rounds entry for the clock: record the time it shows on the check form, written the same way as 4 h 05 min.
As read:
10 h 01 min
